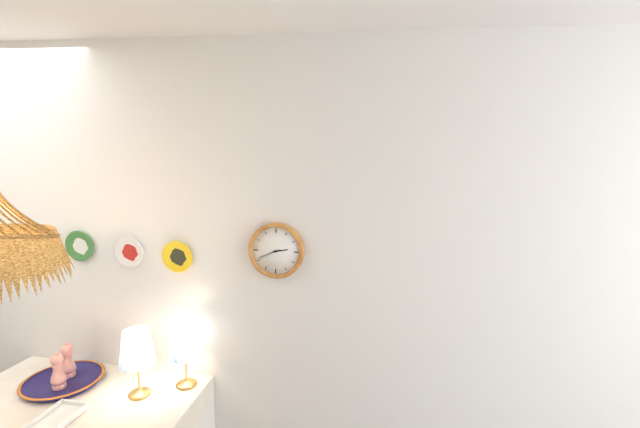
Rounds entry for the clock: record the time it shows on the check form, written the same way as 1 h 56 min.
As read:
2 h 41 min
